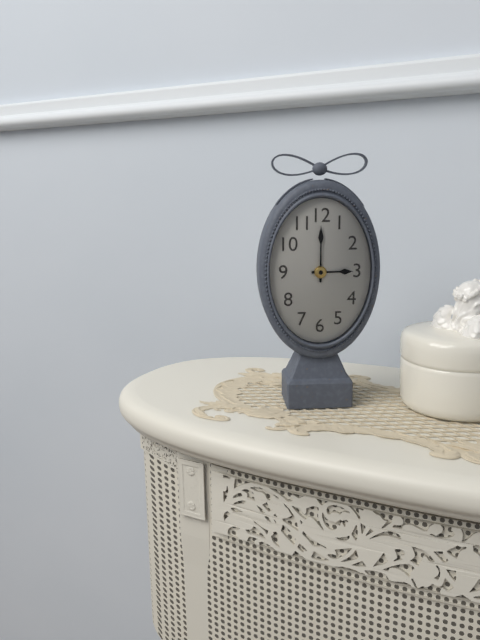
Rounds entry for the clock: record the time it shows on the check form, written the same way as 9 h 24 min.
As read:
3 h 00 min
